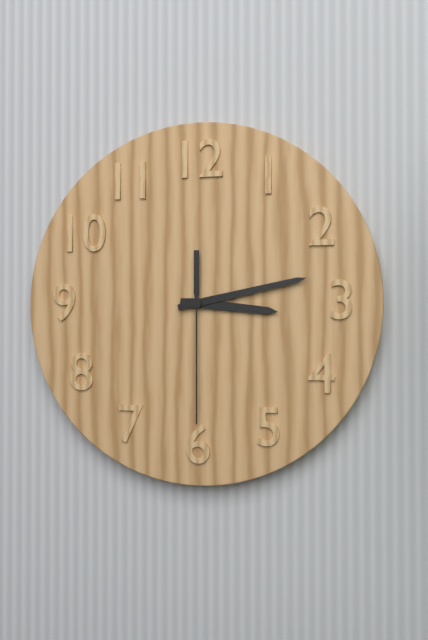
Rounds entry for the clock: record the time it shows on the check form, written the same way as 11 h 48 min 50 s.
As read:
3 h 13 min 30 s
